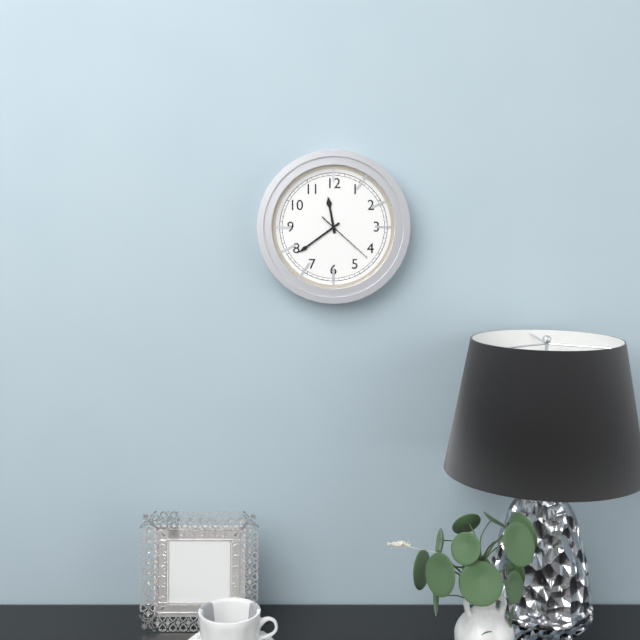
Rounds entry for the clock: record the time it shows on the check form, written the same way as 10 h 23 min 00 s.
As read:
11 h 39 min 22 s
